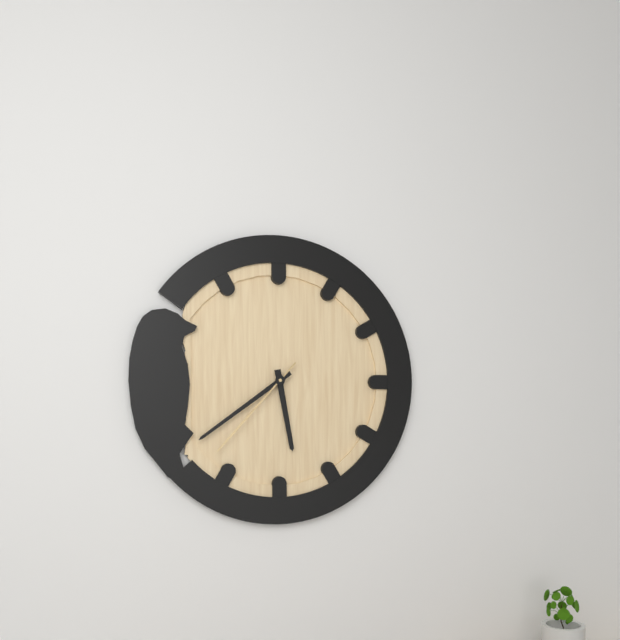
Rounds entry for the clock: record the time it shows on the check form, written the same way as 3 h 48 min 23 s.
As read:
5 h 39 min 37 s
